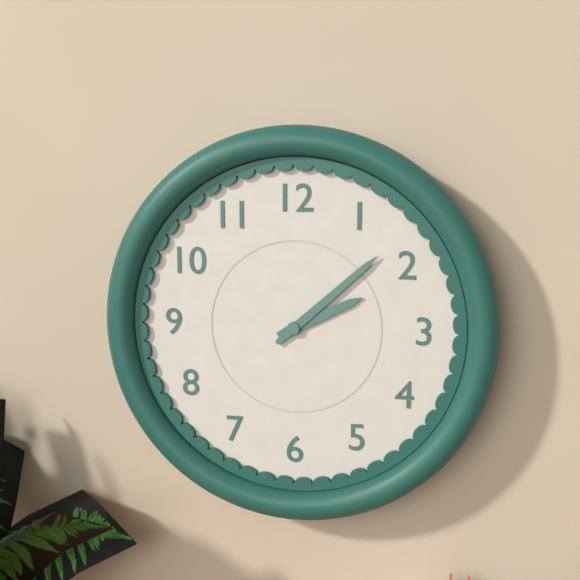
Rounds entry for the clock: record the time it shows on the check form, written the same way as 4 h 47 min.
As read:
2 h 08 min
